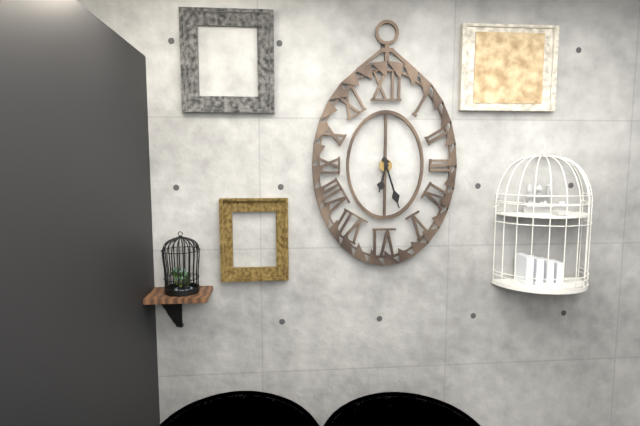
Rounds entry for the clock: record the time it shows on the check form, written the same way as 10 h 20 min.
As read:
6 h 27 min
